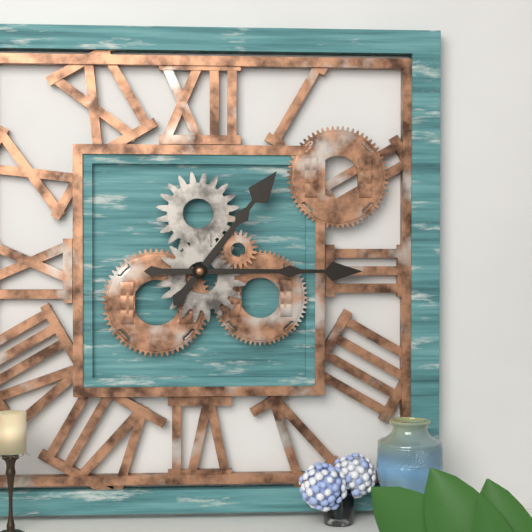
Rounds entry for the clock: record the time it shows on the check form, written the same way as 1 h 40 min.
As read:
1 h 15 min
